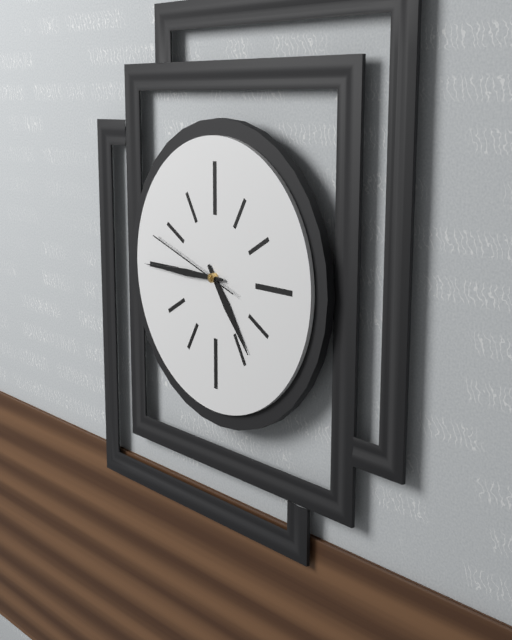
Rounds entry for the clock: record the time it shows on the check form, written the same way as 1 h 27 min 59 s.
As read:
4 h 45 min 48 s
